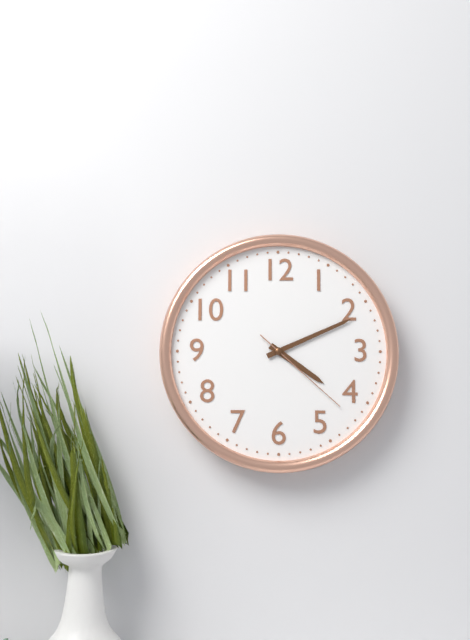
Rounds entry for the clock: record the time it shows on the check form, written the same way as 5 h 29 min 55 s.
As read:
4 h 11 min 22 s
